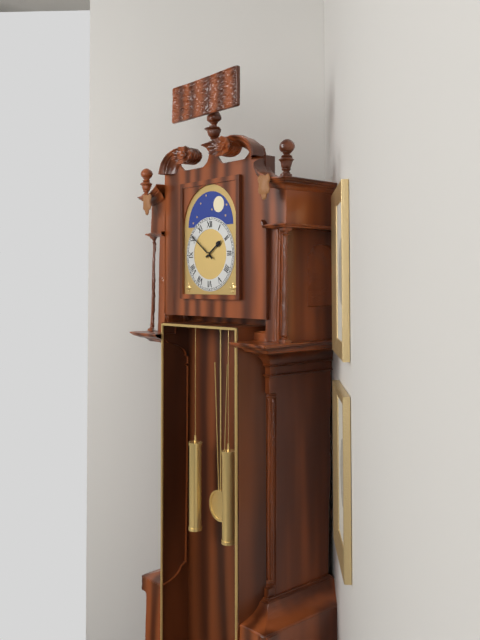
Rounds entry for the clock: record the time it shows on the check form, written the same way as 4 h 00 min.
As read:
1 h 51 min
